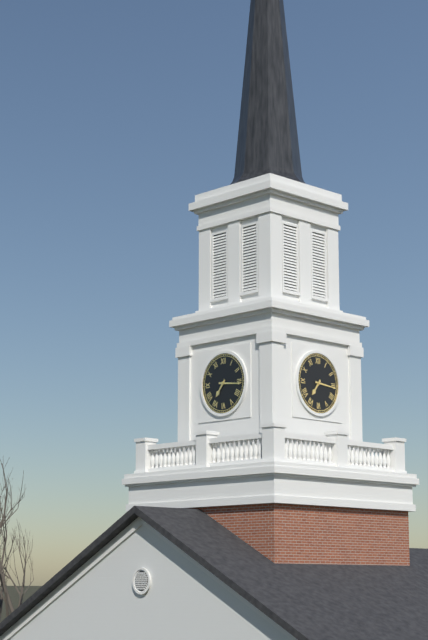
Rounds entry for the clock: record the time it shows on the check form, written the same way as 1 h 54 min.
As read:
7 h 16 min
